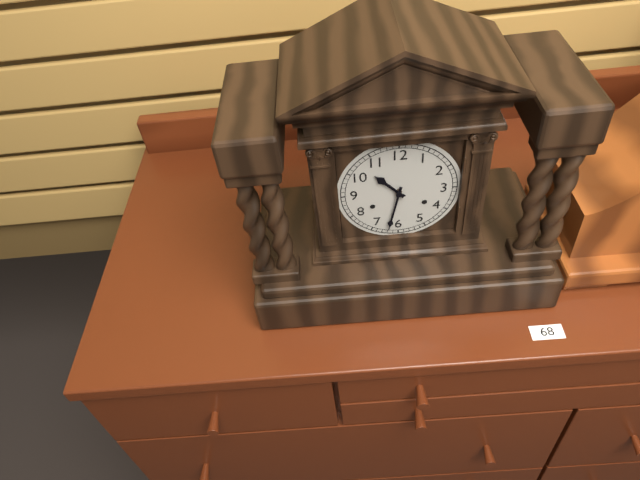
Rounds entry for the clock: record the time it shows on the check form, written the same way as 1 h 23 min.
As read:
10 h 32 min
